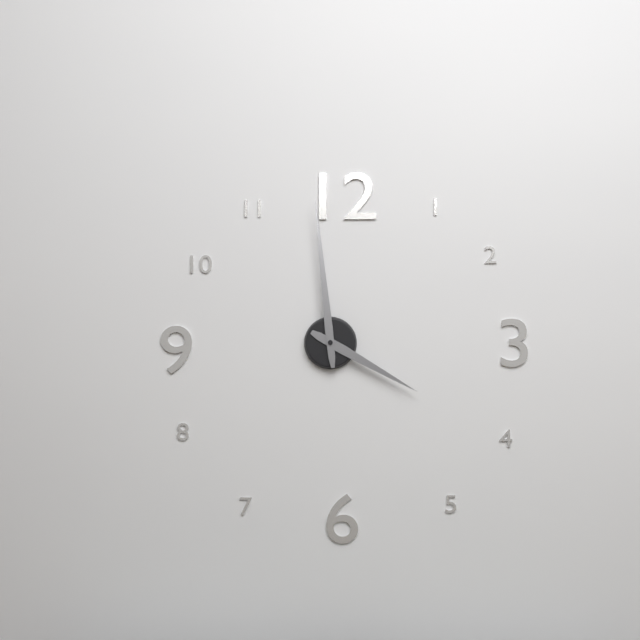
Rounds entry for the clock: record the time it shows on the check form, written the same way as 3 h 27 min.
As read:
3 h 59 min
